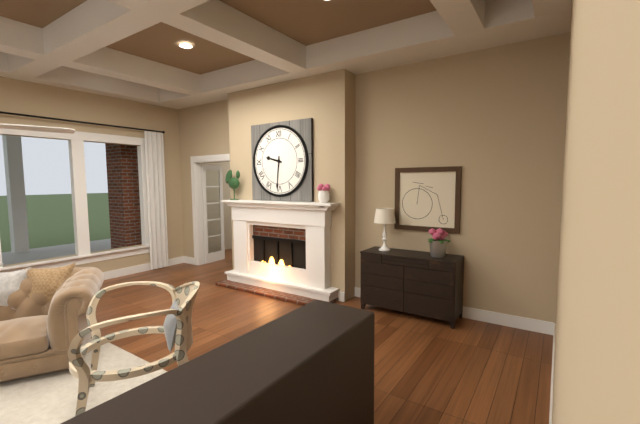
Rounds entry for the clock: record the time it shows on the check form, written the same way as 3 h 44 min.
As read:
9 h 31 min
